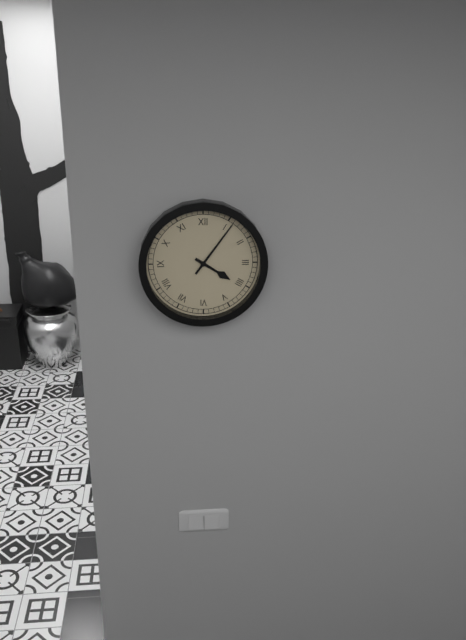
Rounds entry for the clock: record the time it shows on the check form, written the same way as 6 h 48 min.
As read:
4 h 06 min
